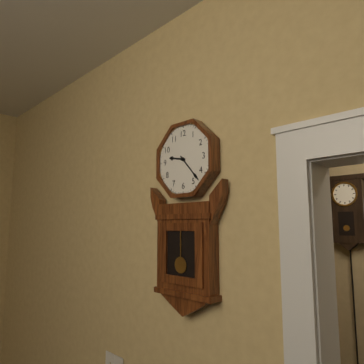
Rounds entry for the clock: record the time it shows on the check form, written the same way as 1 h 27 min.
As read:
9 h 23 min
